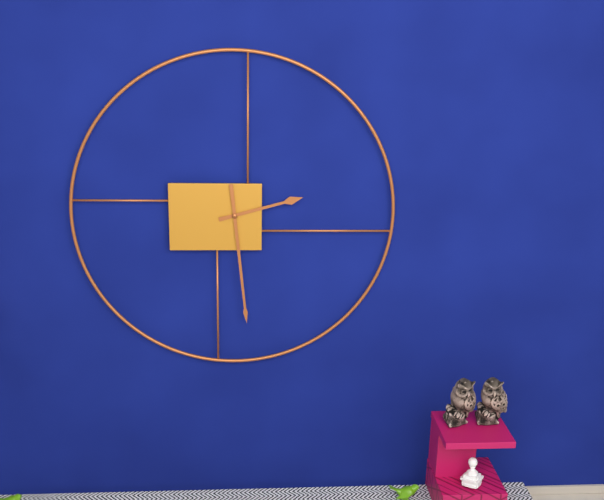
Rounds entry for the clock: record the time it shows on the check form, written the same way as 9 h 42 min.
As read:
2 h 29 min
